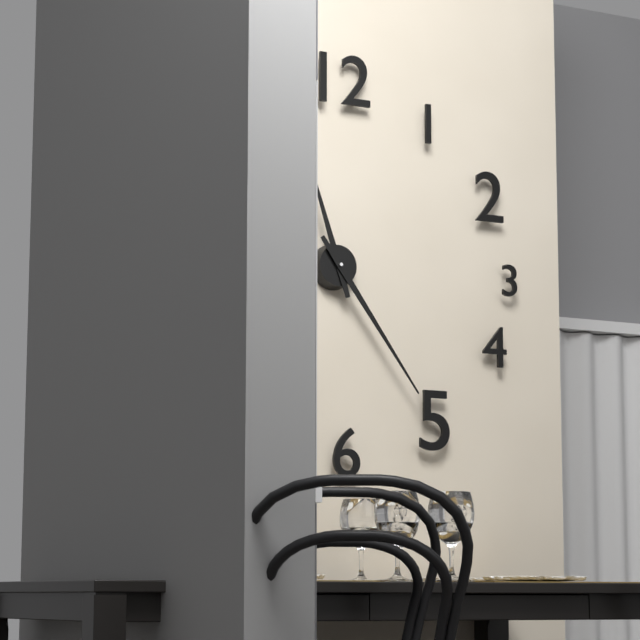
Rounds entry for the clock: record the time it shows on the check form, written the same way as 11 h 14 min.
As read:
11 h 24 min
